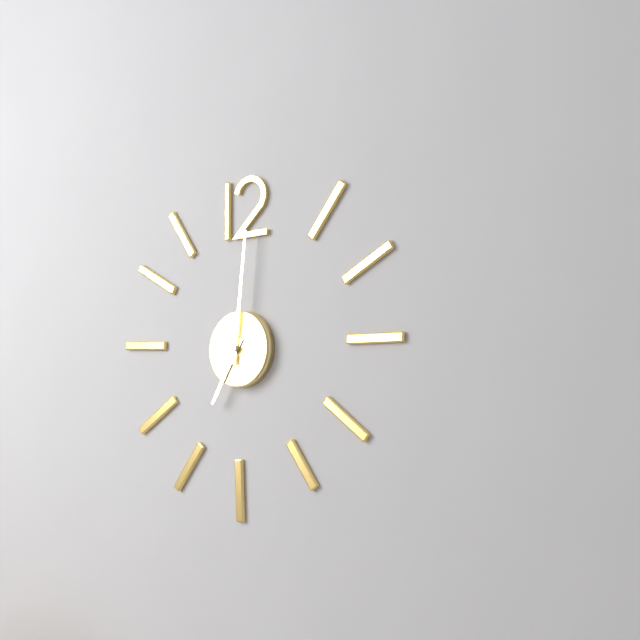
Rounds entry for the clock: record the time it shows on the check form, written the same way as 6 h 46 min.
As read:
7 h 01 min
